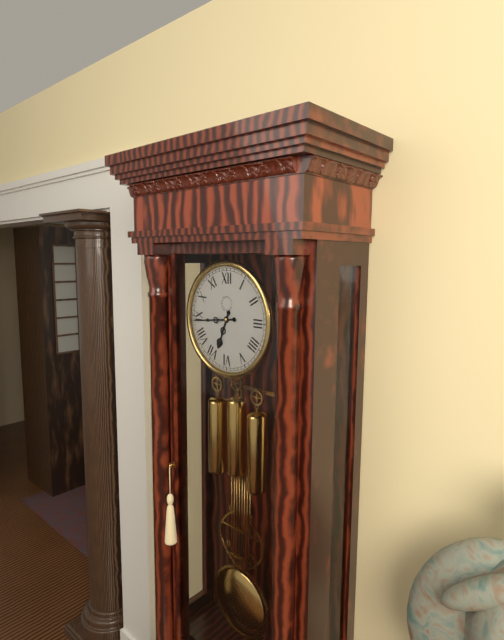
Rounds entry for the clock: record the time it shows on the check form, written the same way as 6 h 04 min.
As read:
6 h 44 min
